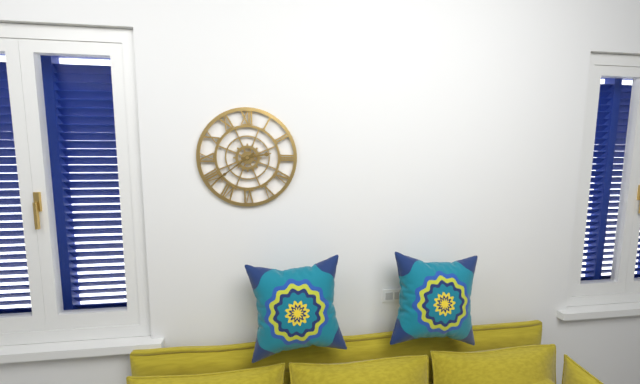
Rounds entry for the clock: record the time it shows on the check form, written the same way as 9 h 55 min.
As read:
2 h 39 min
